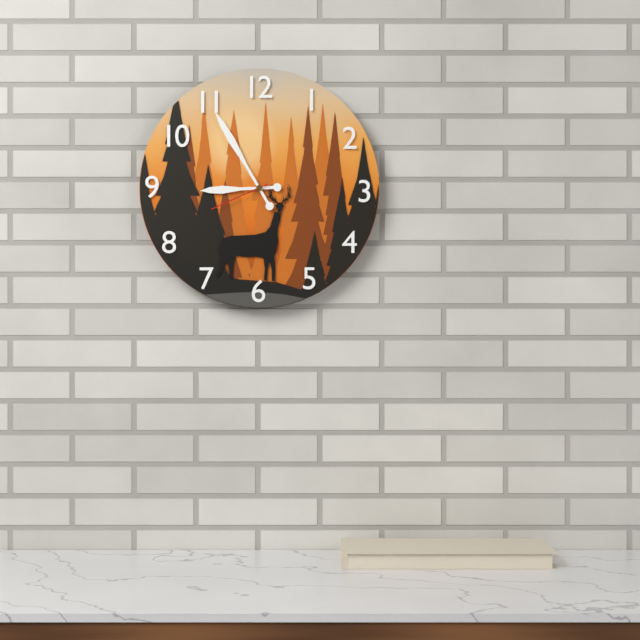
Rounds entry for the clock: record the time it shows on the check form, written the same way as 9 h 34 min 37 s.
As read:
8 h 55 min 41 s
